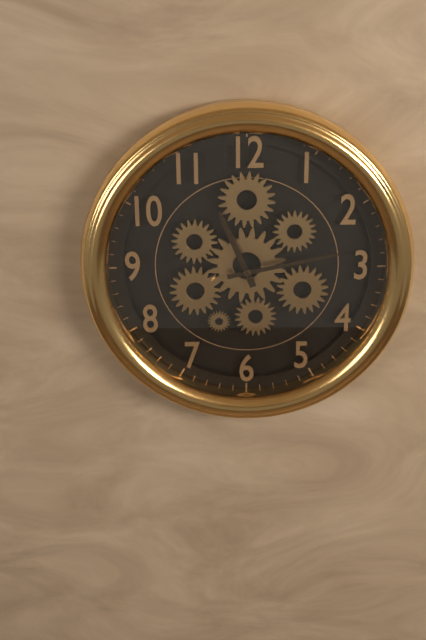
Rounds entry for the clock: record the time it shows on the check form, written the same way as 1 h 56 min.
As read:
11 h 13 min
